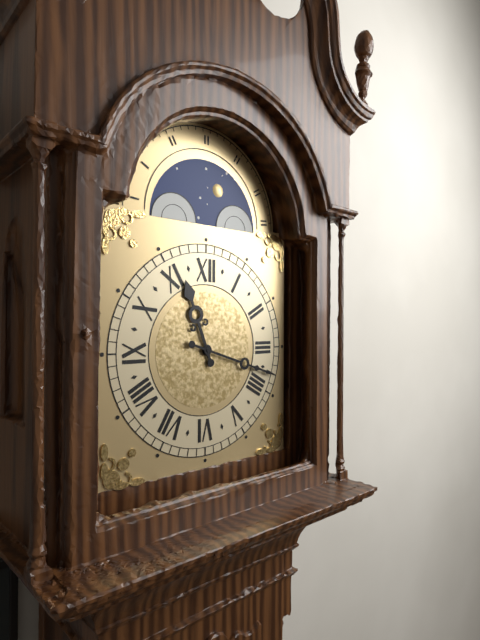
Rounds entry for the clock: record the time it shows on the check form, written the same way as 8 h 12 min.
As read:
11 h 18 min
